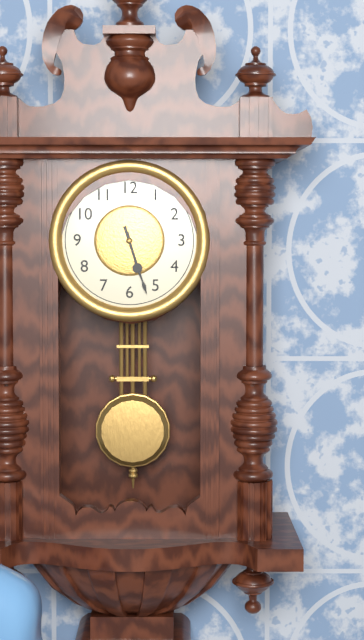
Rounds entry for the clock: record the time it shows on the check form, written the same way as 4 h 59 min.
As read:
5 h 27 min
